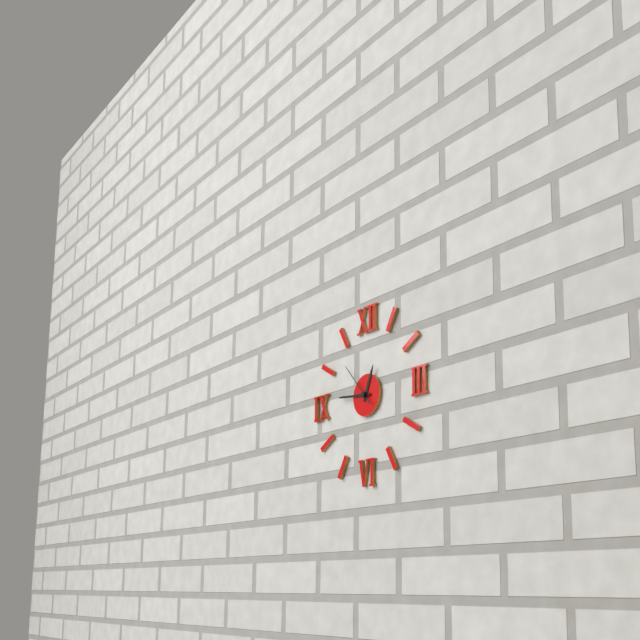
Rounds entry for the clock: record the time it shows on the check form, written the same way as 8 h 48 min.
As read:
12 h 46 min
